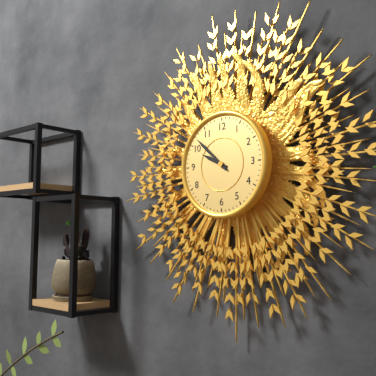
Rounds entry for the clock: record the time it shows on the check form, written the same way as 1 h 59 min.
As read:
9 h 52 min
